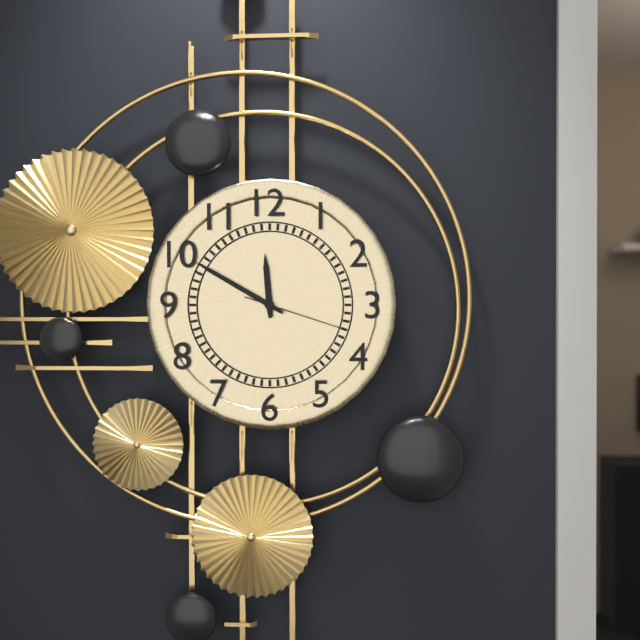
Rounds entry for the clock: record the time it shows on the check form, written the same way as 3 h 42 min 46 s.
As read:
11 h 50 min 18 s
